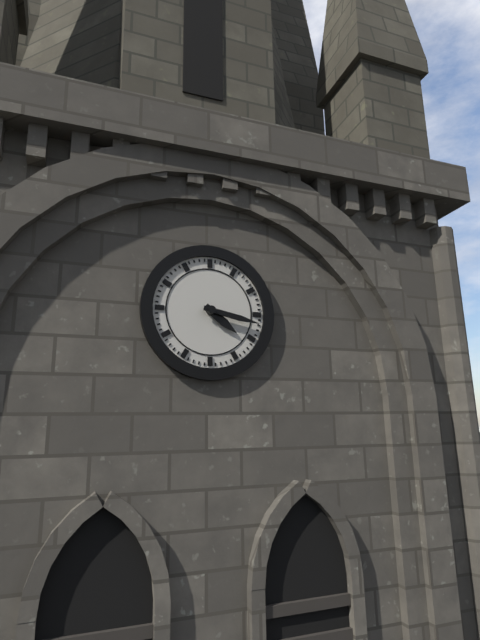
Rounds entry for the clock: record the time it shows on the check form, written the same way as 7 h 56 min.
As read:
4 h 17 min
